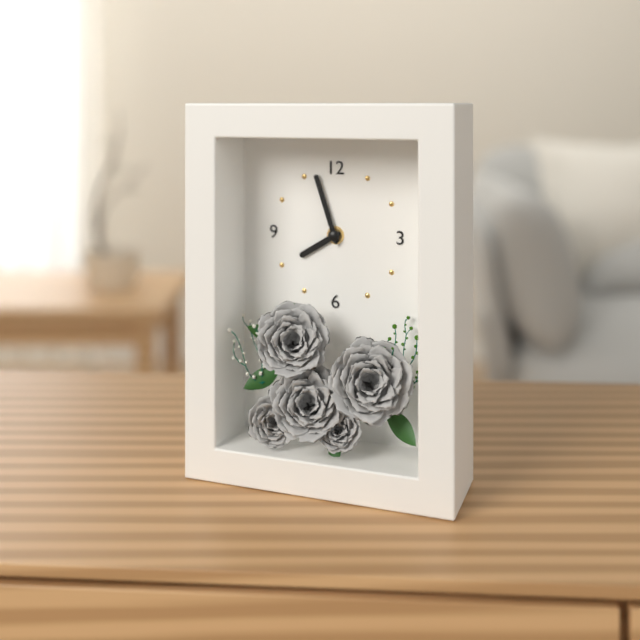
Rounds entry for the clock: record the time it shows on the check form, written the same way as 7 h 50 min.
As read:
7 h 57 min
